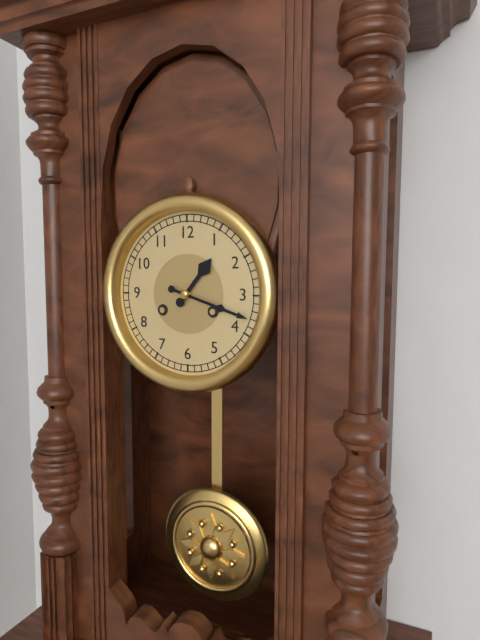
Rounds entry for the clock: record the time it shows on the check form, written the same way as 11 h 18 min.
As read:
1 h 18 min
